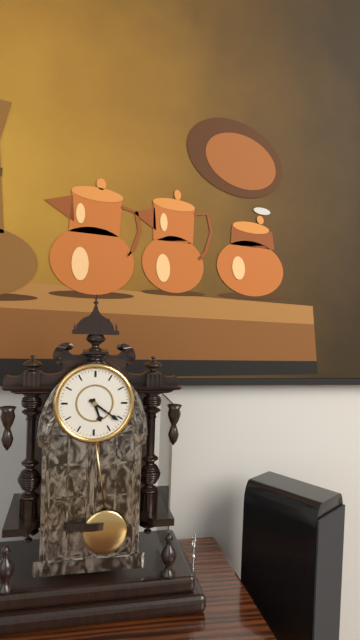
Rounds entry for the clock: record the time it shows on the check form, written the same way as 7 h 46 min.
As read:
5 h 21 min
